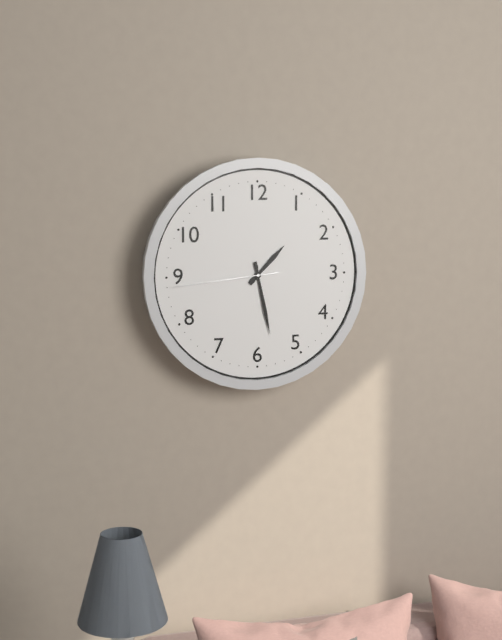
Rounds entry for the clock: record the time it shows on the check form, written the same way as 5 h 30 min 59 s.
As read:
1 h 28 min 44 s
